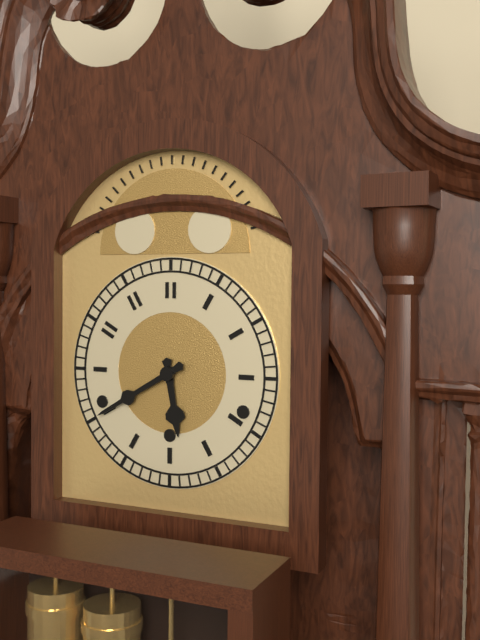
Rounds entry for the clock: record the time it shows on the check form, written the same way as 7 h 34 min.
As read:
5 h 40 min
